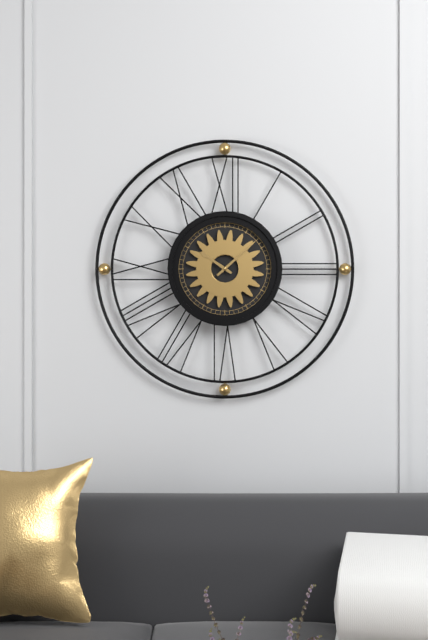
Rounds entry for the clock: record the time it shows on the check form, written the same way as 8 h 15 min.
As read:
10 h 08 min
